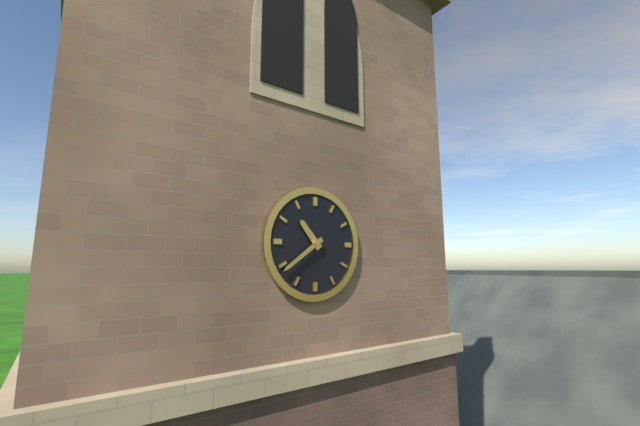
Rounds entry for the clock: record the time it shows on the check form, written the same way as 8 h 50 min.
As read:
10 h 39 min
